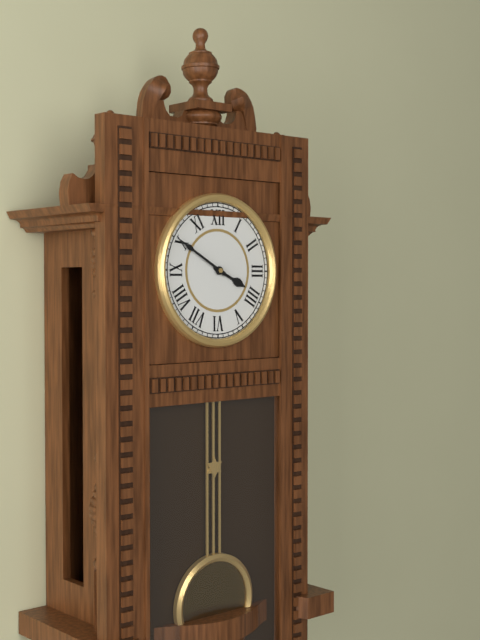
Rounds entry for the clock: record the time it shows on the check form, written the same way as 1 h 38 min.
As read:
3 h 50 min
